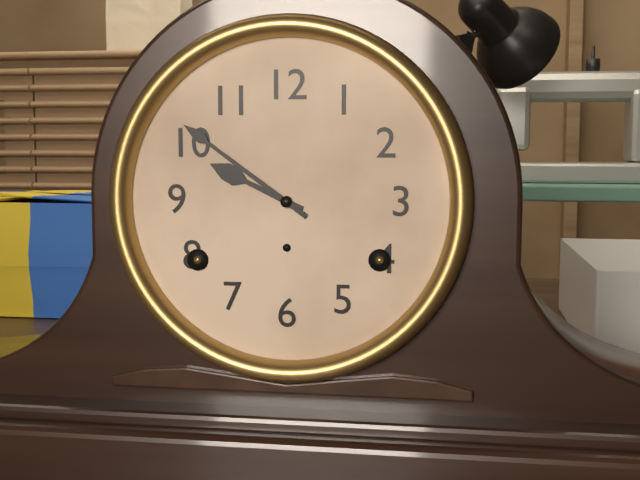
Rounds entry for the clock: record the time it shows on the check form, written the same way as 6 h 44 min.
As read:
9 h 51 min
